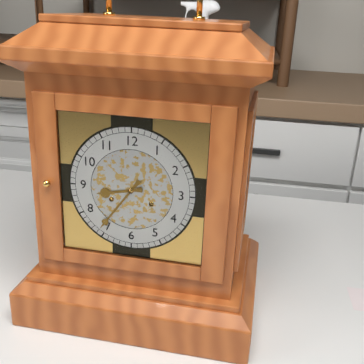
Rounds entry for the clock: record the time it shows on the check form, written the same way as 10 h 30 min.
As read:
8 h 36 min
